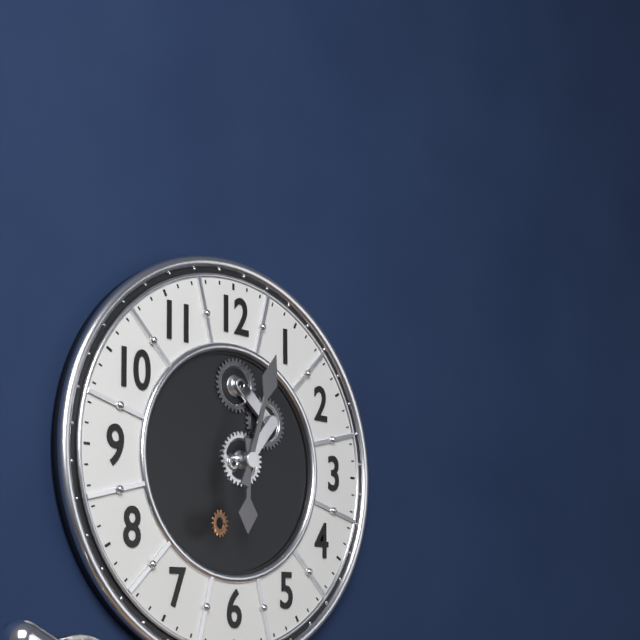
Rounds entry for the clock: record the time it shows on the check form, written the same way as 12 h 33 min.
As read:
6 h 03 min
